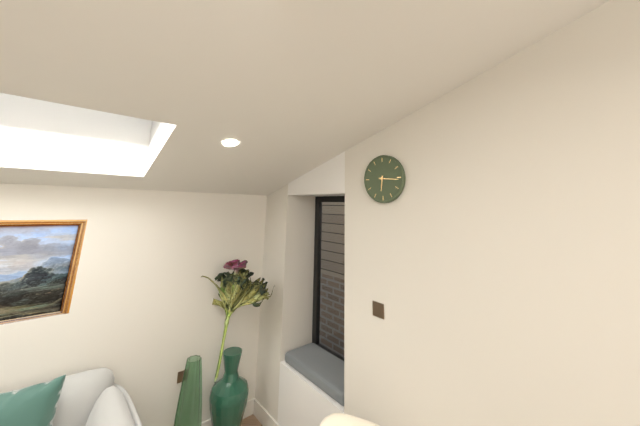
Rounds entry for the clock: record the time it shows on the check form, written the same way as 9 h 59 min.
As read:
6 h 16 min
